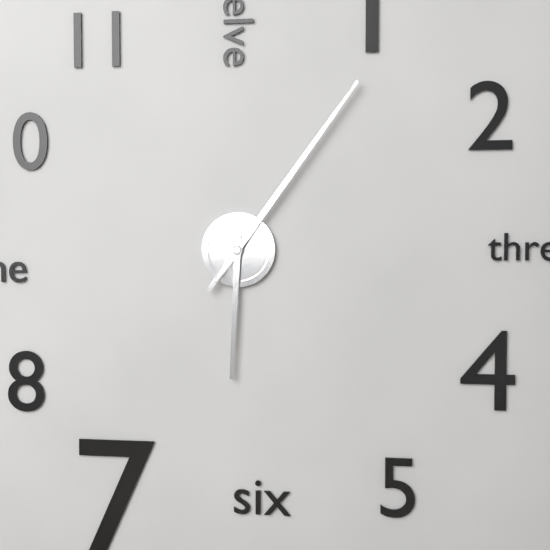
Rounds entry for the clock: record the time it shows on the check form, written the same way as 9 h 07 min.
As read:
6 h 06 min
